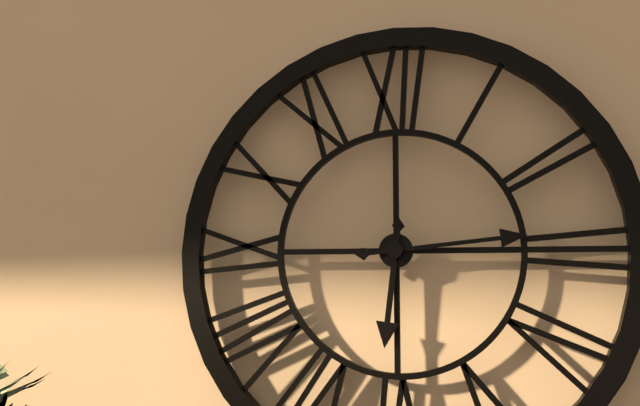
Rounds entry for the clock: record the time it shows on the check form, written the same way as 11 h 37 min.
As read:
6 h 14 min
